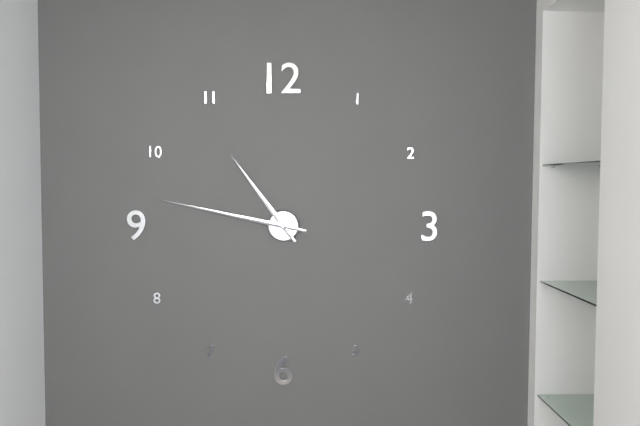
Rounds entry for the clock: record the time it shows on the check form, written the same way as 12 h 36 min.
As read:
10 h 47 min
